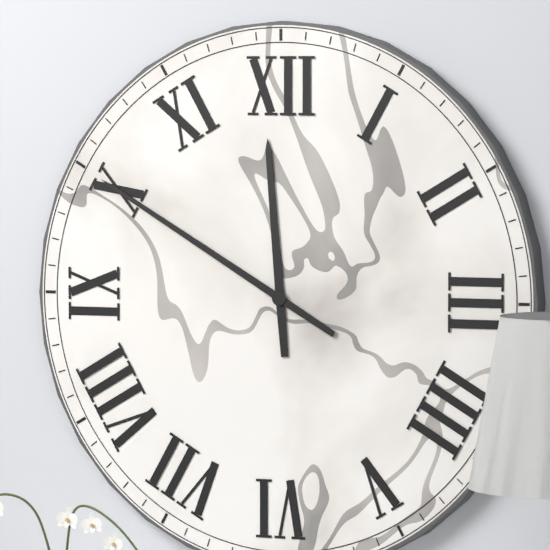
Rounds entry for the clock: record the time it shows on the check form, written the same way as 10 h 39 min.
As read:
11 h 50 min
